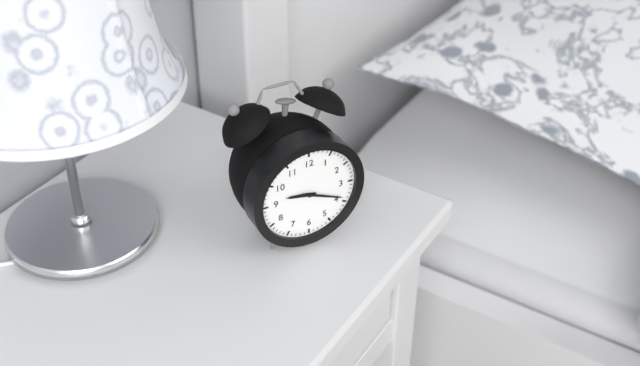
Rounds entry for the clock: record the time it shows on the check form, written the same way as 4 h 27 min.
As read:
9 h 19 min
